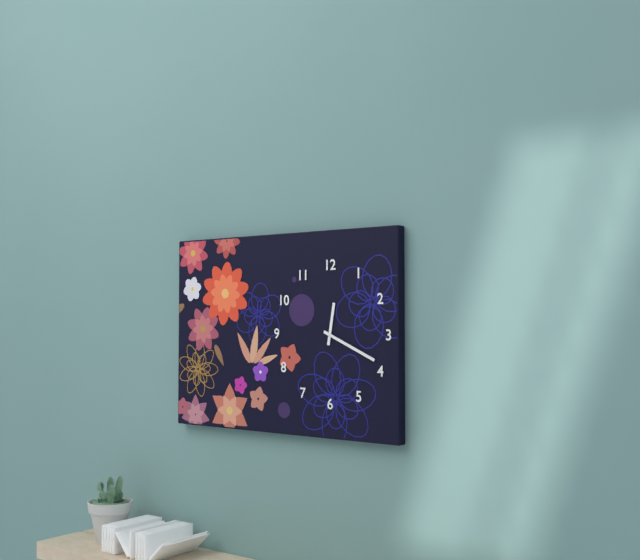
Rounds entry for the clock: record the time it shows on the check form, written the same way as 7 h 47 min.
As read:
12 h 19 min
